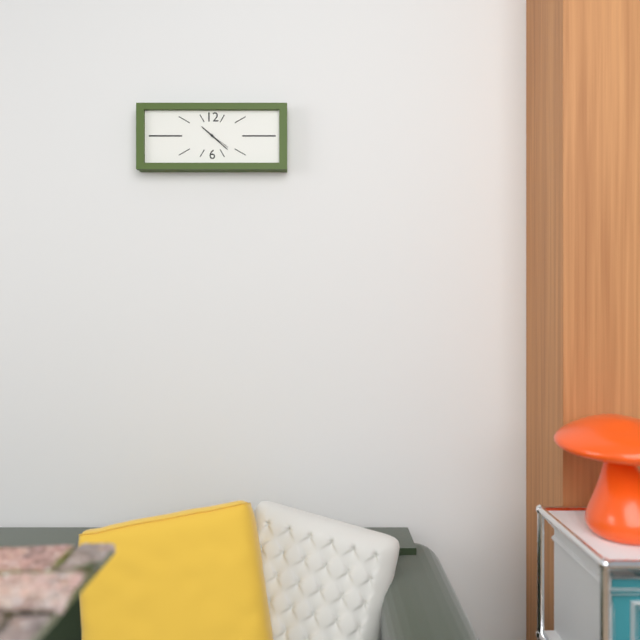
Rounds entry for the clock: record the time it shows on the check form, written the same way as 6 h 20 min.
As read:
10 h 22 min
